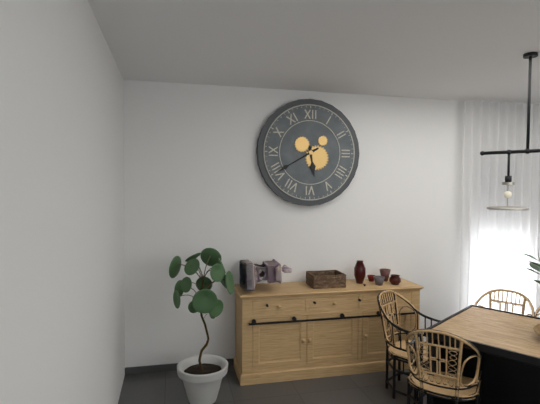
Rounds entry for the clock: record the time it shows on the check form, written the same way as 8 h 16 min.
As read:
5 h 40 min
